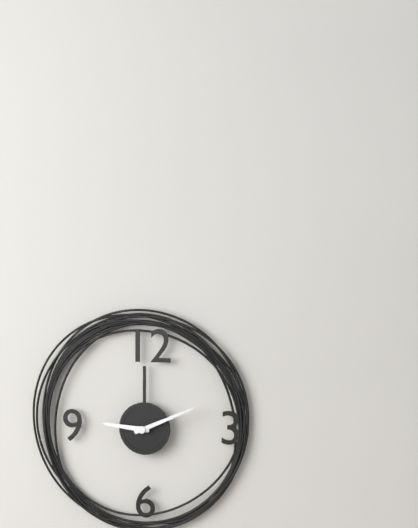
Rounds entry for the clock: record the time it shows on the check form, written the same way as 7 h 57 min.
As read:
9 h 11 min
